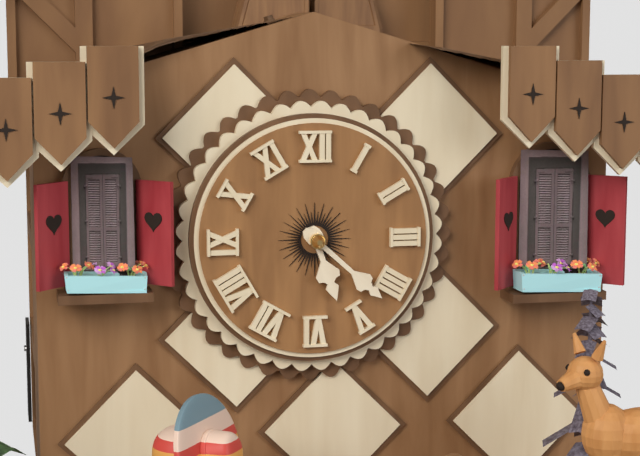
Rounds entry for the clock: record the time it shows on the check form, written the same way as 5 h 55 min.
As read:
5 h 22 min
